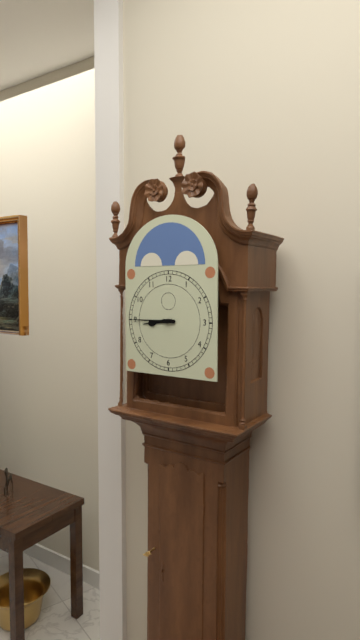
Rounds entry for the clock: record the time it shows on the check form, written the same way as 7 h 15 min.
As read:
8 h 45 min
